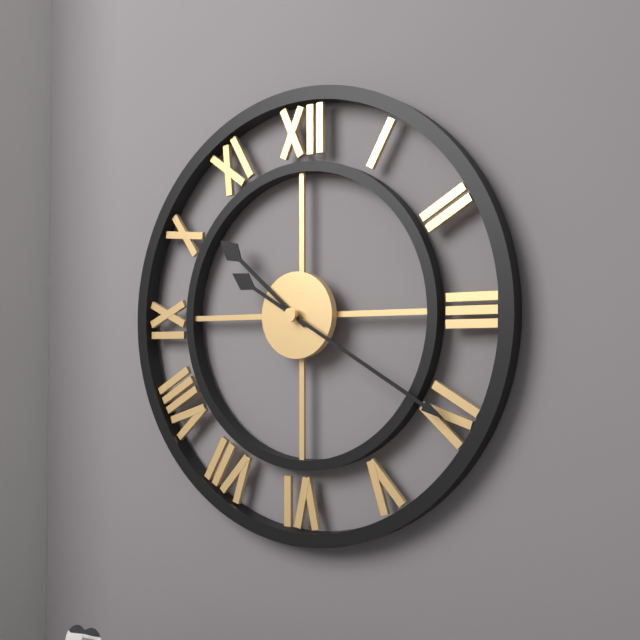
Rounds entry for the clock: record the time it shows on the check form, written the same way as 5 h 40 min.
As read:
10 h 20 min
